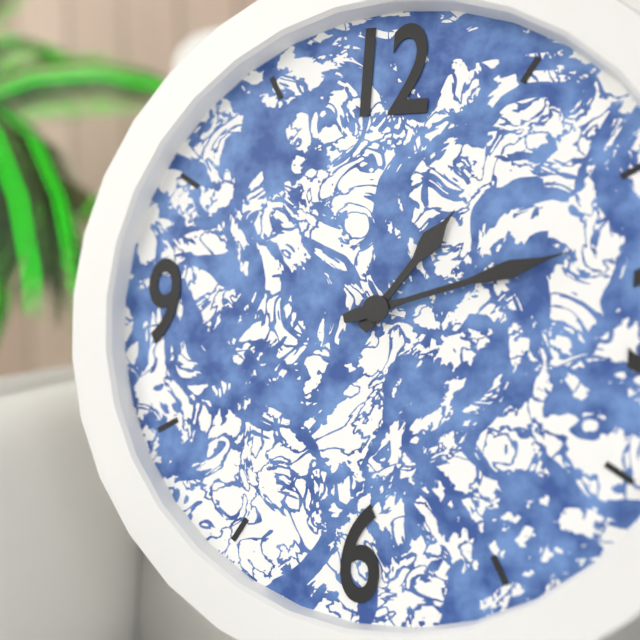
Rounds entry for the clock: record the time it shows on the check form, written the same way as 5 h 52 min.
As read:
1 h 12 min
